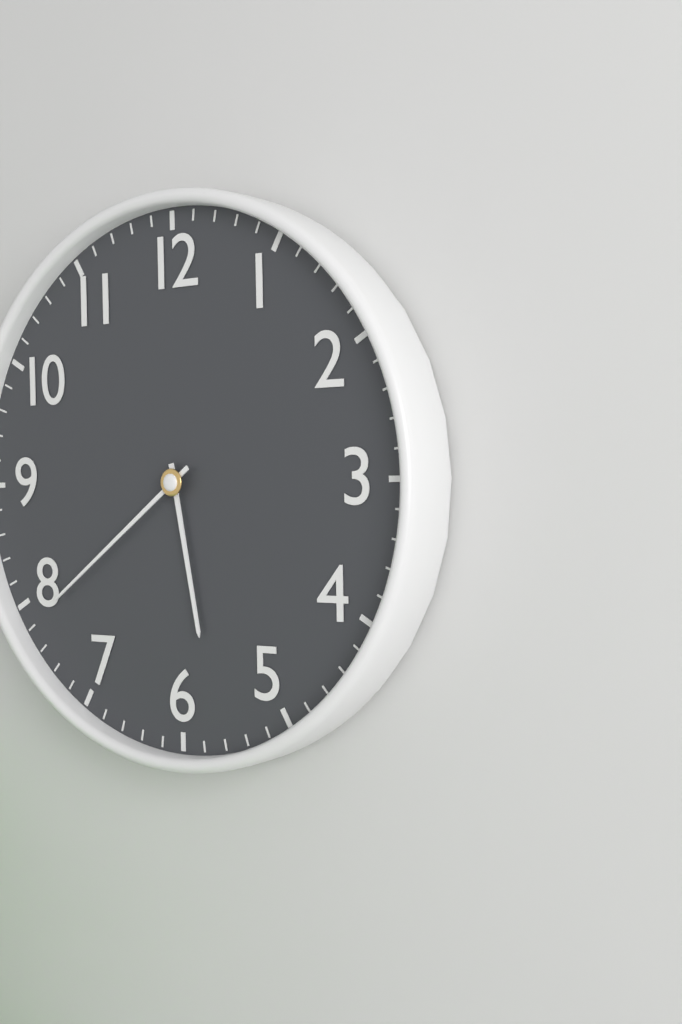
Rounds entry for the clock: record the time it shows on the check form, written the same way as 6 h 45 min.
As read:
5 h 39 min
